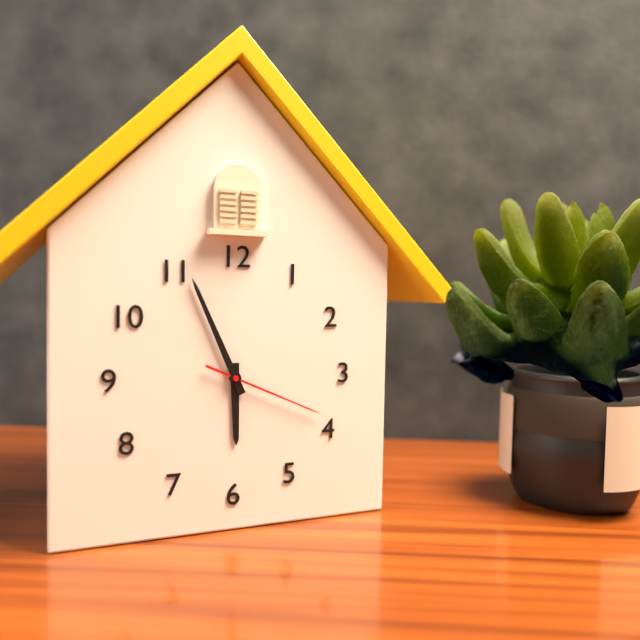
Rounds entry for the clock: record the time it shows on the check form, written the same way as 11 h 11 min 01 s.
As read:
5 h 56 min 19 s
